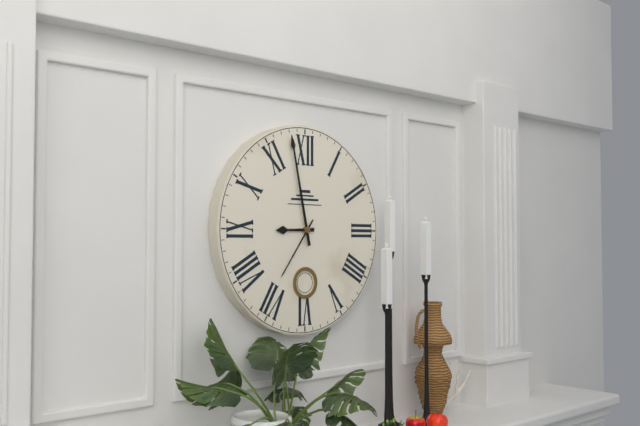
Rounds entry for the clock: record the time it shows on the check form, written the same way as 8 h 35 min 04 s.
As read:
8 h 58 min 36 s
